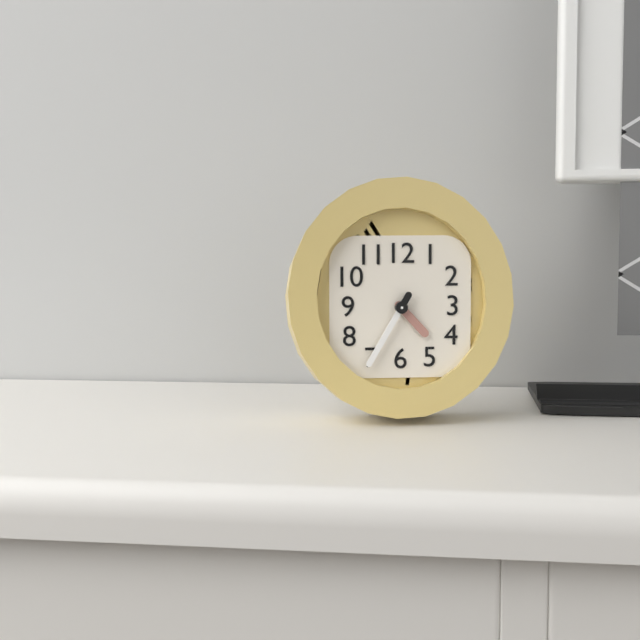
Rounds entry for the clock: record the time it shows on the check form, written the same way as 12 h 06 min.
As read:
4 h 35 min
